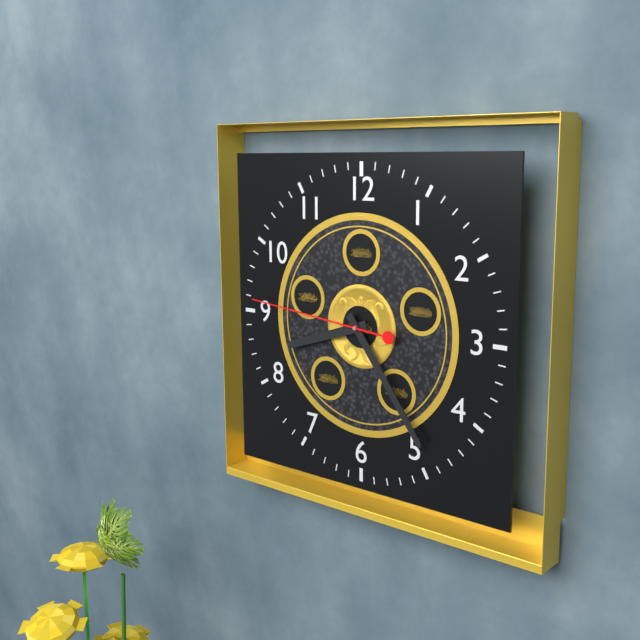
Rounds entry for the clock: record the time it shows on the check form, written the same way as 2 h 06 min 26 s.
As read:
8 h 24 min 46 s
